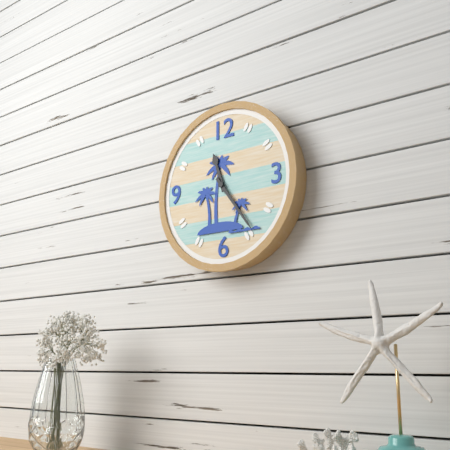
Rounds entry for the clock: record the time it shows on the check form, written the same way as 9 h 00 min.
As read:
11 h 24 min
